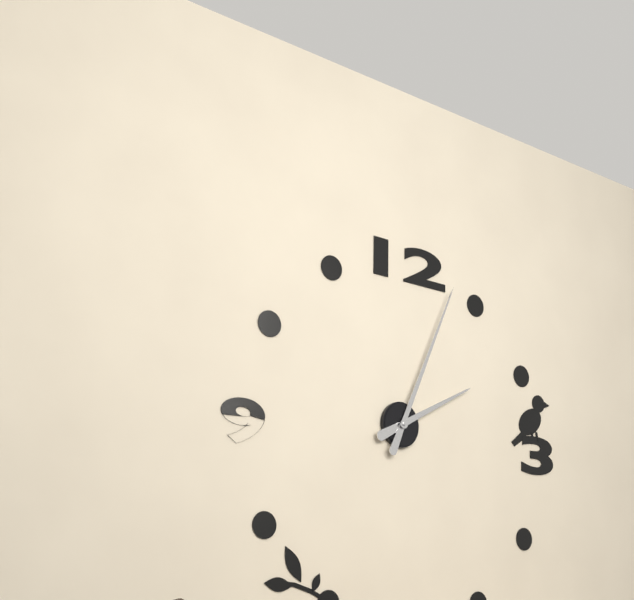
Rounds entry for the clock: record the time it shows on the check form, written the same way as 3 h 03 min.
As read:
2 h 04 min
